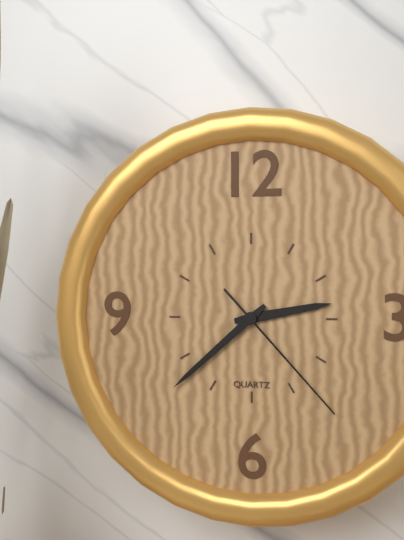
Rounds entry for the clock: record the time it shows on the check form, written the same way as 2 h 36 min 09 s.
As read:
2 h 38 min 23 s
